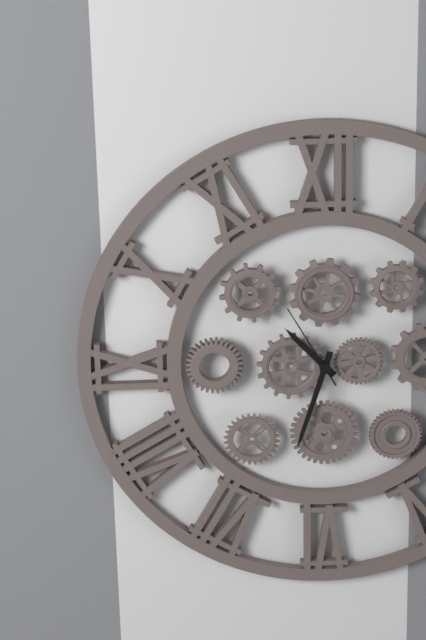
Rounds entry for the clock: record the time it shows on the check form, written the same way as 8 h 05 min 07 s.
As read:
10 h 33 min 55 s
